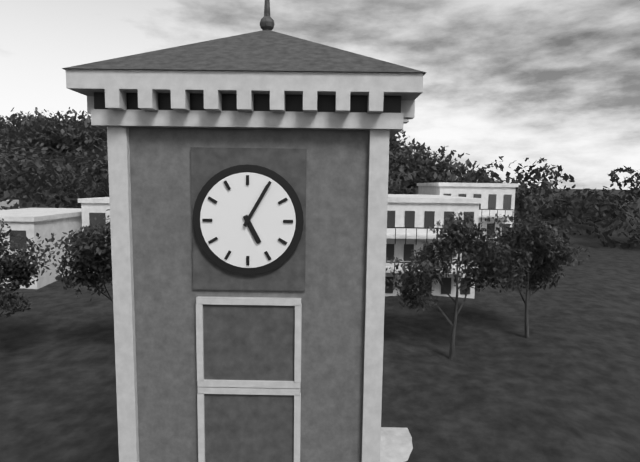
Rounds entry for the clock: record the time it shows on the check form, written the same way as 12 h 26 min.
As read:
5 h 05 min
